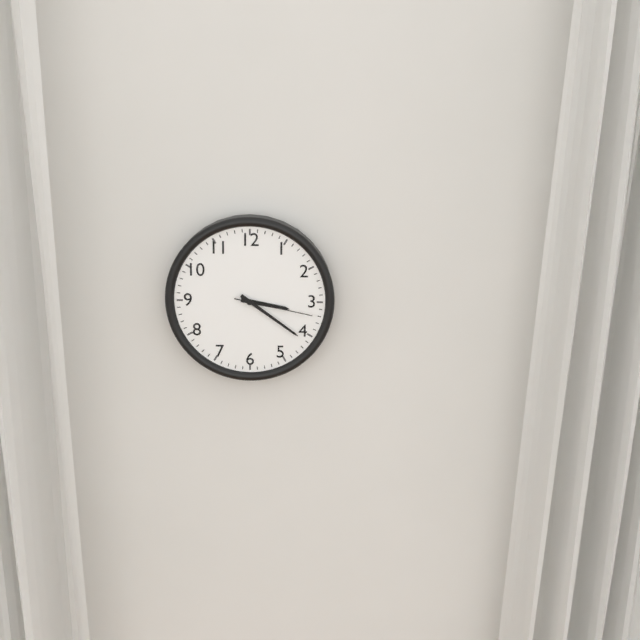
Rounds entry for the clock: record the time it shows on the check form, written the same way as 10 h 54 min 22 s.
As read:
3 h 21 min 17 s
